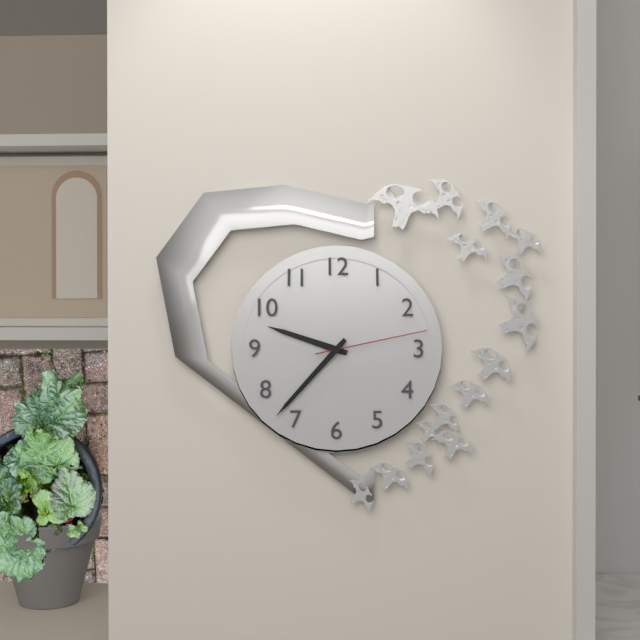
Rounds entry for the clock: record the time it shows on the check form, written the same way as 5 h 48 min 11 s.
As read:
9 h 37 min 13 s
